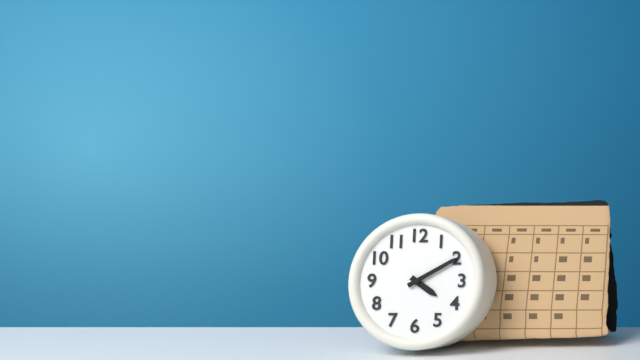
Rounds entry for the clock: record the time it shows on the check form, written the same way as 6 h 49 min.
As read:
4 h 10 min
